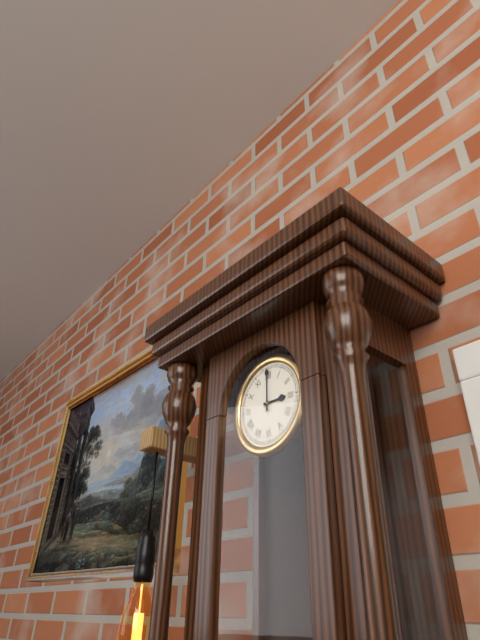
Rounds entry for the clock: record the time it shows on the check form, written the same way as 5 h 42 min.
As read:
3 h 00 min
